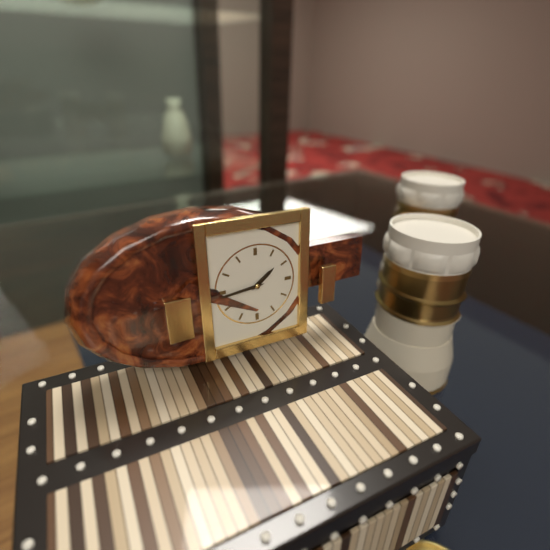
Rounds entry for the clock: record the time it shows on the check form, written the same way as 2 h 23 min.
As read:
1 h 44 min
